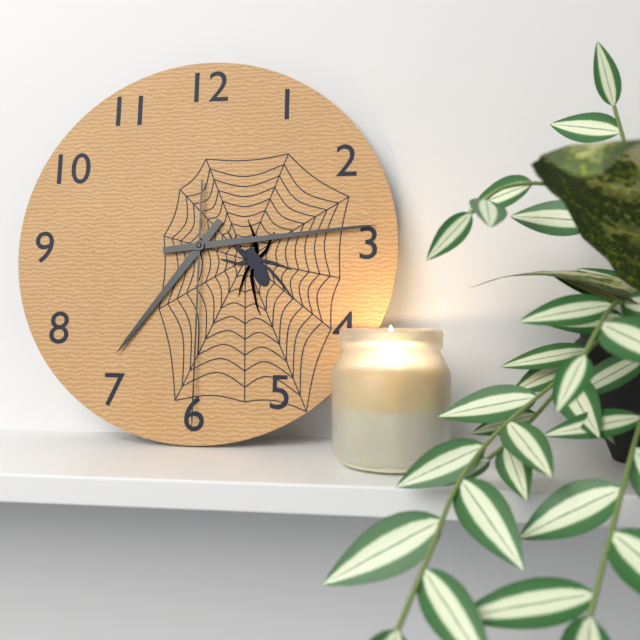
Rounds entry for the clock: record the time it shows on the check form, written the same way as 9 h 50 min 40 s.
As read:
7 h 14 min 30 s
